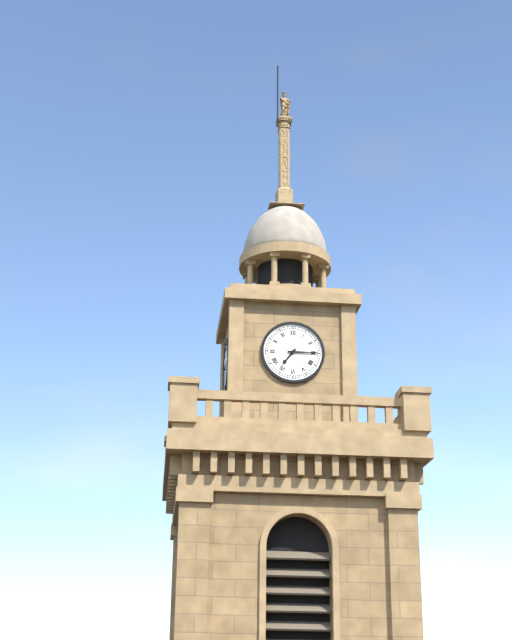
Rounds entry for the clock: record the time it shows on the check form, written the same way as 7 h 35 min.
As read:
7 h 15 min
